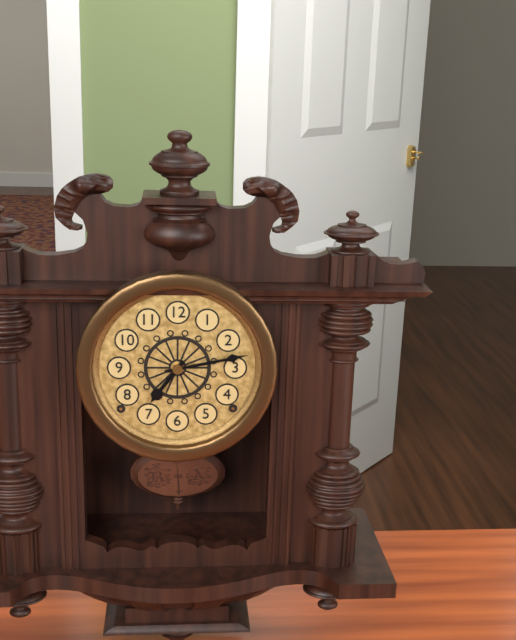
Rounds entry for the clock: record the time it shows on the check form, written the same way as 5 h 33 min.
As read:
7 h 13 min
